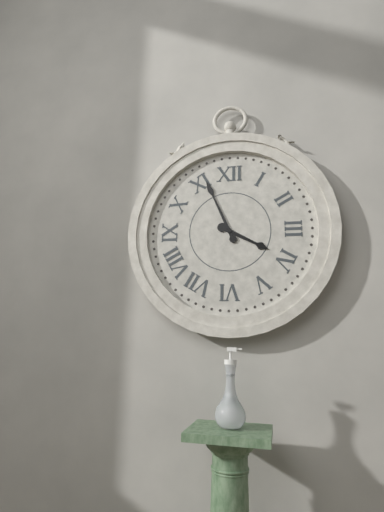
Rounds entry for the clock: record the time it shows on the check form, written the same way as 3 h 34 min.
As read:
3 h 56 min
